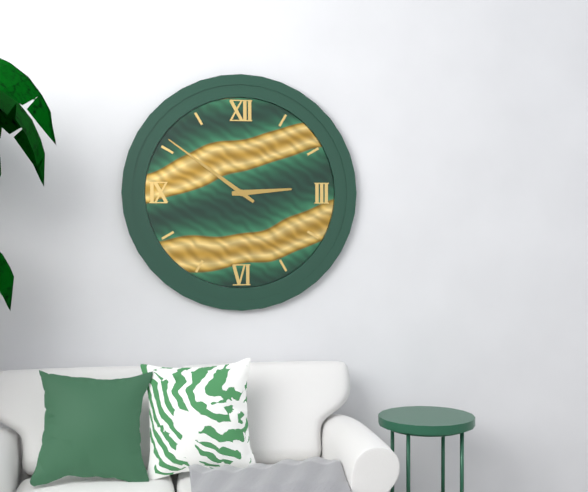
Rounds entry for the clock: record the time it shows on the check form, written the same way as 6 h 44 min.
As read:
2 h 51 min
